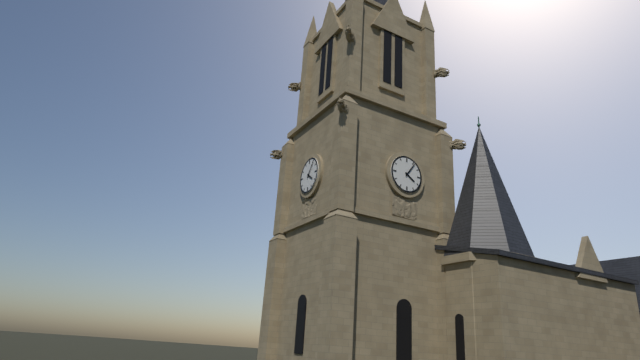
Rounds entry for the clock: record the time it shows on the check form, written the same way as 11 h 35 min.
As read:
4 h 06 min
